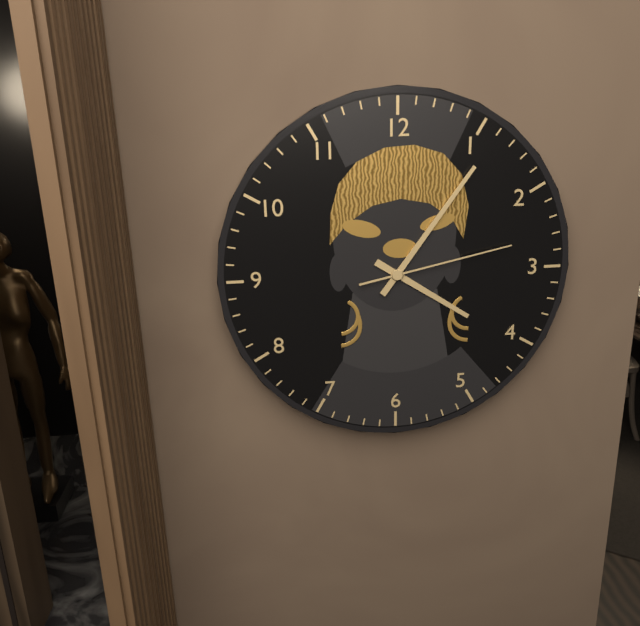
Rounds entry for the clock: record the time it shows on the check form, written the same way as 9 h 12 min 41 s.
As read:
4 h 06 min 13 s
